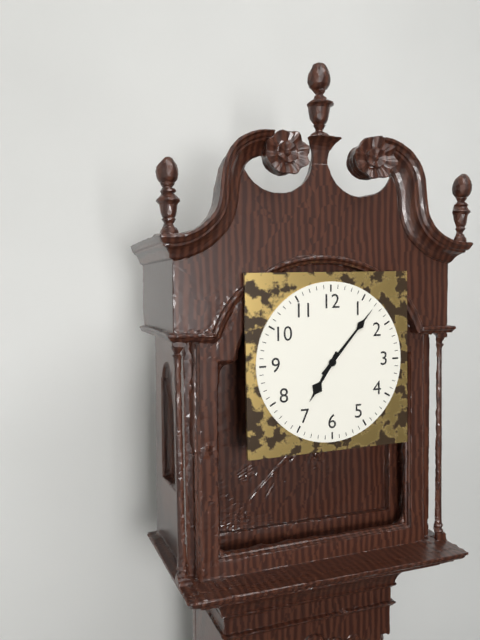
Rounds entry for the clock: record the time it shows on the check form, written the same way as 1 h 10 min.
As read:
7 h 07 min
